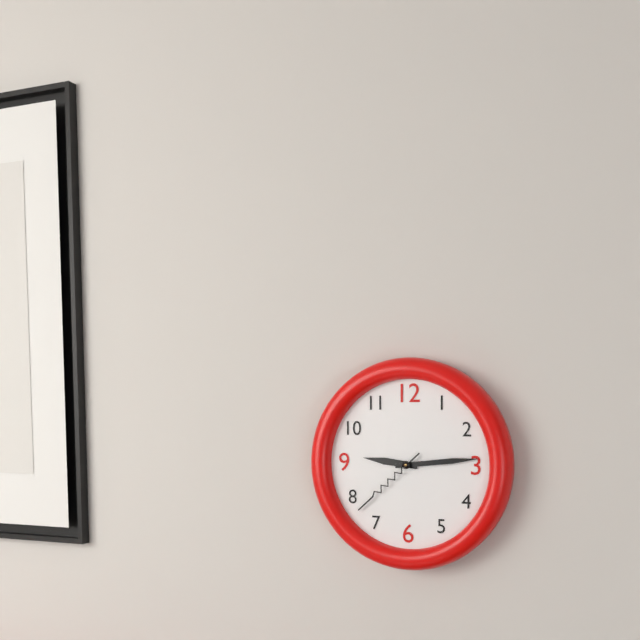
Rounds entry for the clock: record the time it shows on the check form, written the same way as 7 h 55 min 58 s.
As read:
9 h 14 min 38 s
